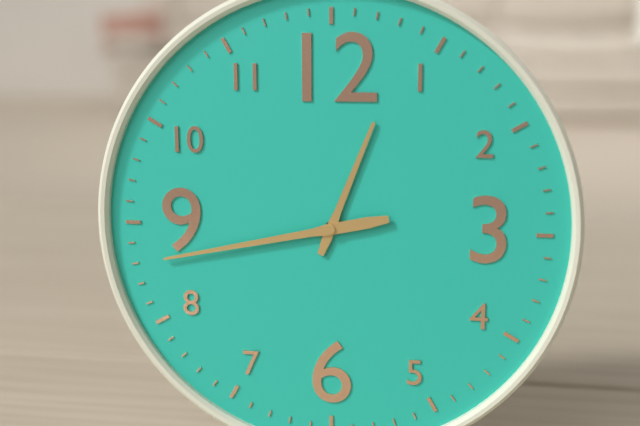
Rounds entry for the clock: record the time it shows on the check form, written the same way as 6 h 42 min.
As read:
12 h 43 min
